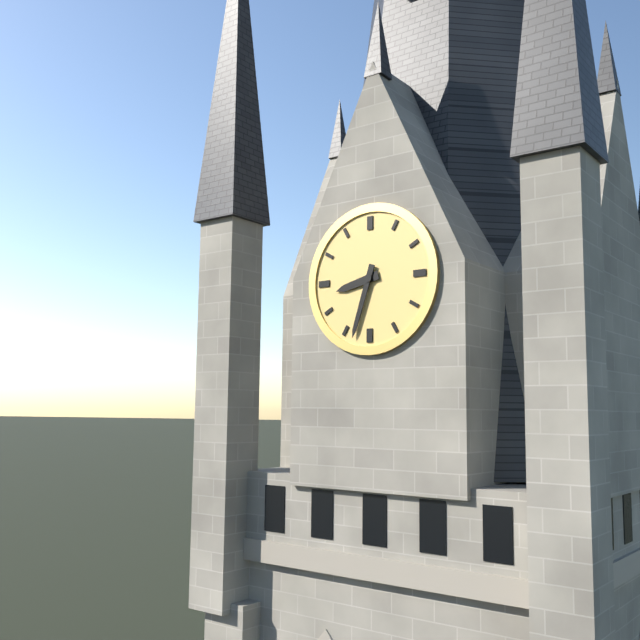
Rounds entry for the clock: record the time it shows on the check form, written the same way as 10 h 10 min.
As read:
8 h 33 min
